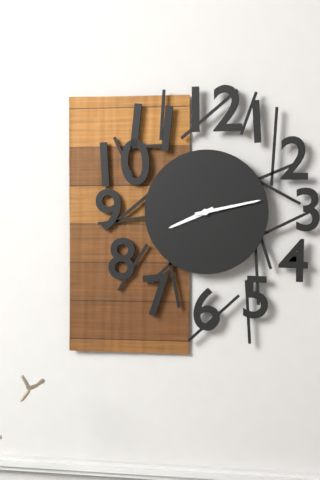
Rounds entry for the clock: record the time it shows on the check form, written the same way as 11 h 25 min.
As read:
8 h 13 min
